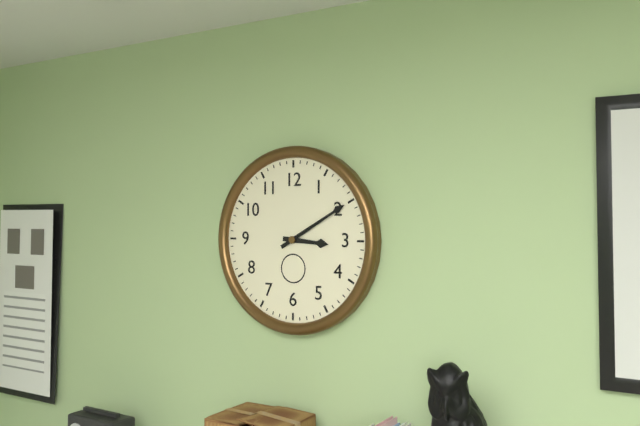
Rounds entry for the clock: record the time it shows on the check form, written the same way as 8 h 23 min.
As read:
3 h 10 min
